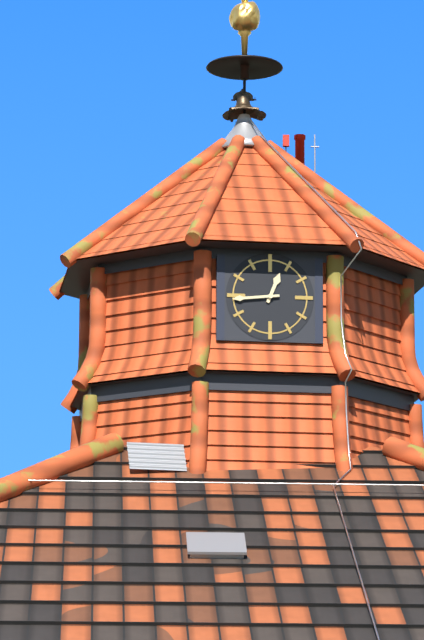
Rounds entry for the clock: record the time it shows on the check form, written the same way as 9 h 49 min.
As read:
12 h 44 min
